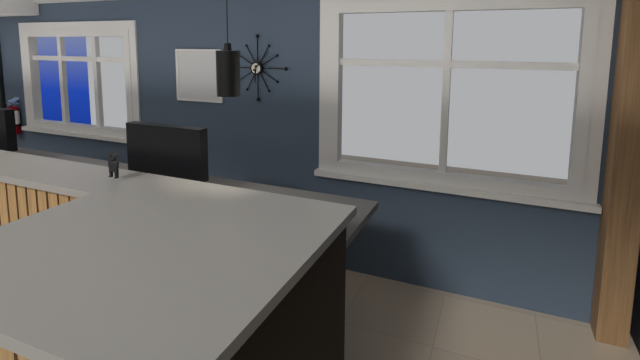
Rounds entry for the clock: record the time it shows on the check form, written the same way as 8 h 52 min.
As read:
6 h 07 min
